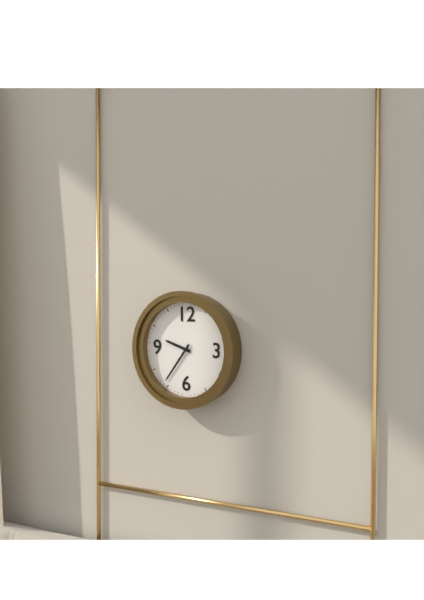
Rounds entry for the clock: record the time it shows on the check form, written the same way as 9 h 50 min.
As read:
9 h 36 min
